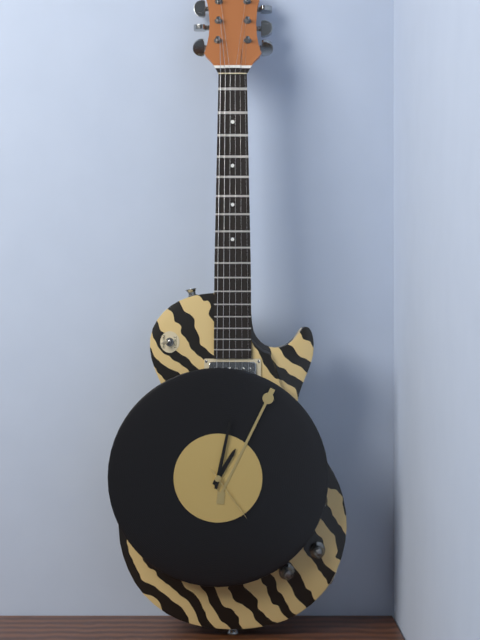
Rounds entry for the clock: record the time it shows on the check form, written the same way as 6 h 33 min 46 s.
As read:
1 h 02 min 24 s
